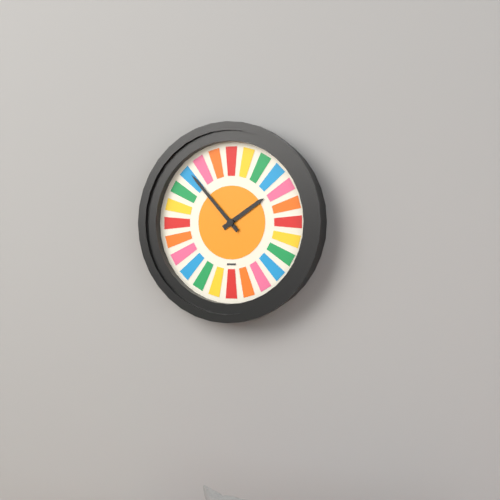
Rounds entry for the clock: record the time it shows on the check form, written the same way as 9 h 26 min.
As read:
1 h 53 min
